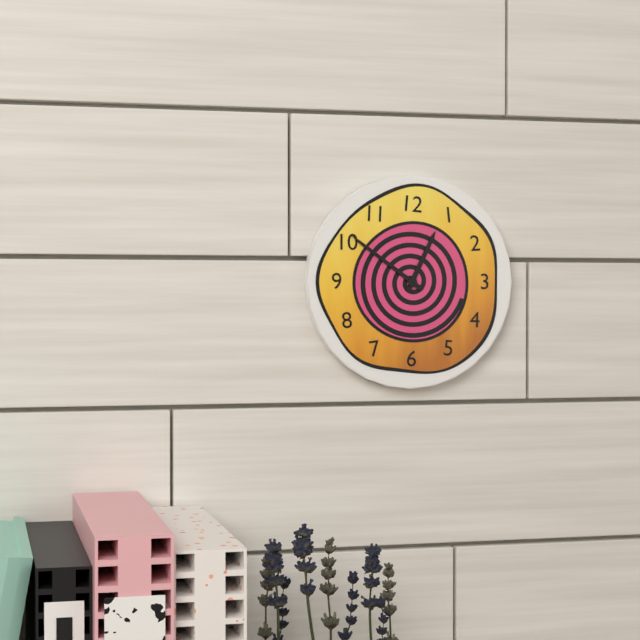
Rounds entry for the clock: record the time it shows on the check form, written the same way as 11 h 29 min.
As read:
12 h 51 min
